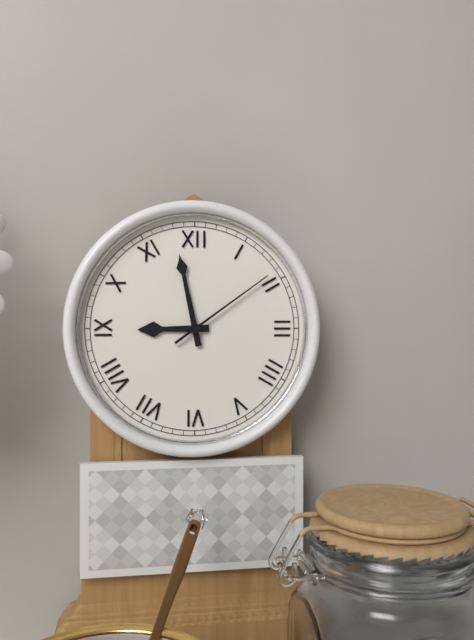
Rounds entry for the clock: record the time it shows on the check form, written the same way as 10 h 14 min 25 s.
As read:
8 h 58 min 09 s
